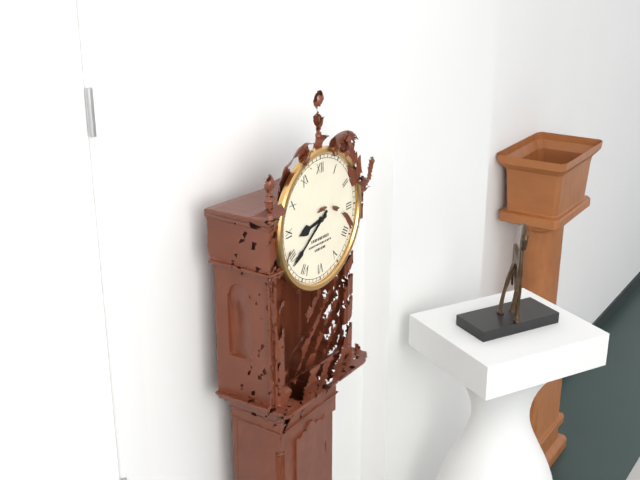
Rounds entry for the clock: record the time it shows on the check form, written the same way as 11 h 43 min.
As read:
8 h 39 min
